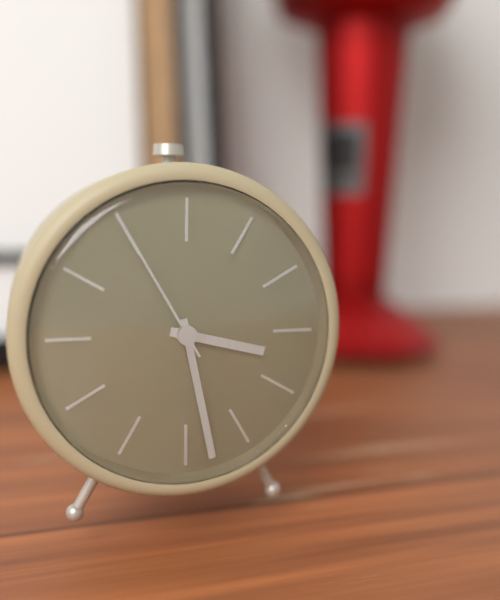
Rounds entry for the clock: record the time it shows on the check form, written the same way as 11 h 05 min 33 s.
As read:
3 h 28 min 55 s
